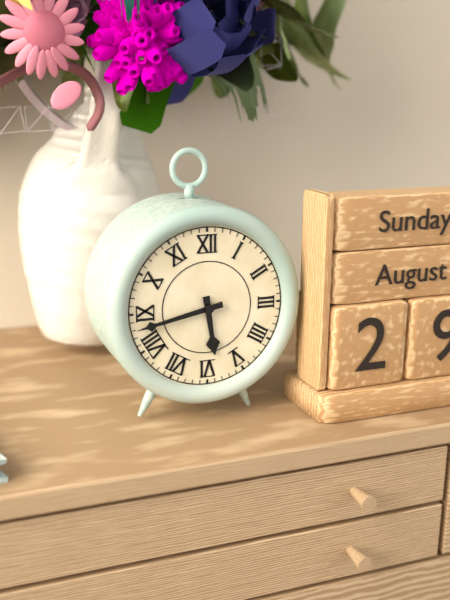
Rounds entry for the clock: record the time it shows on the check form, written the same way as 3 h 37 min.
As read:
5 h 43 min
